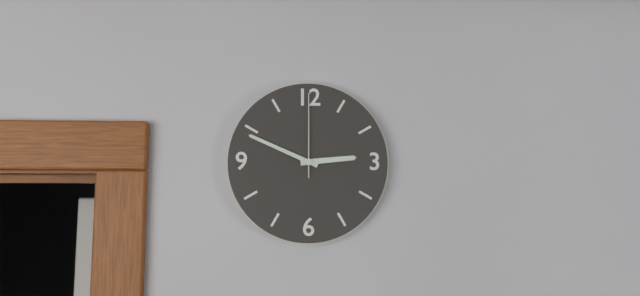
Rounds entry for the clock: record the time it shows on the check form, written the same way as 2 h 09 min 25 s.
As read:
2 h 49 min 00 s
